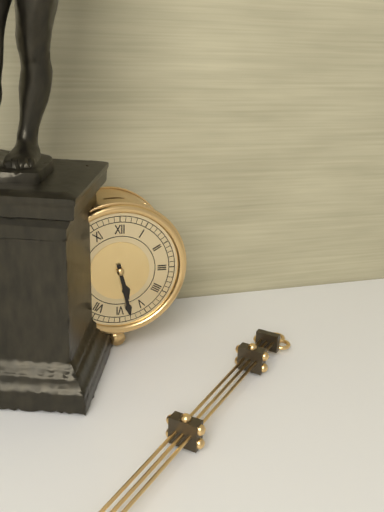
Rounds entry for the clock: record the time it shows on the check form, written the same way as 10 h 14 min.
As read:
5 h 28 min
